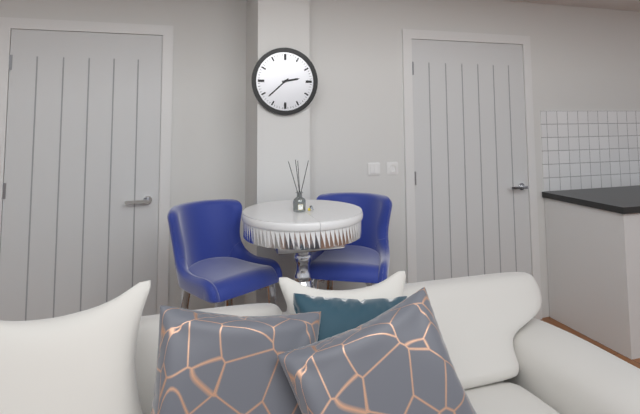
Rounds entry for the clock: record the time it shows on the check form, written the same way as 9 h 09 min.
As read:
2 h 38 min
